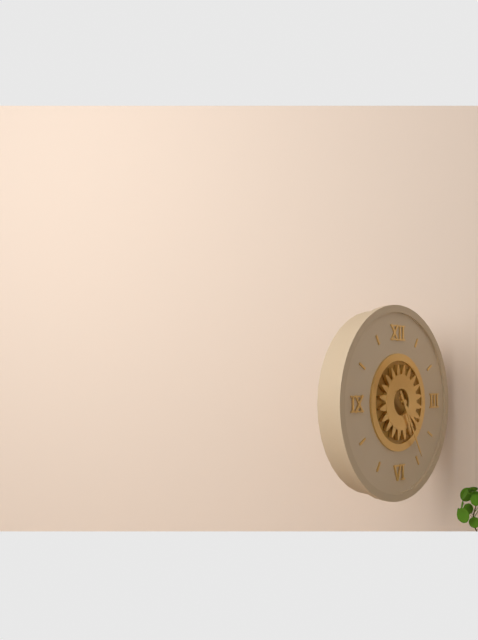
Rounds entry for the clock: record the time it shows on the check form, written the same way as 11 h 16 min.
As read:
4 h 25 min
